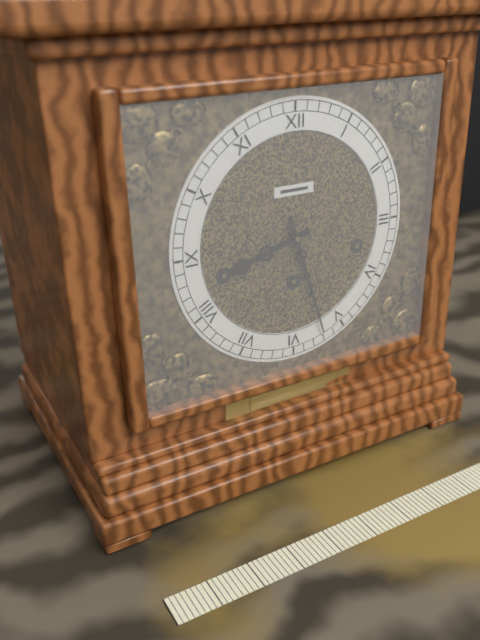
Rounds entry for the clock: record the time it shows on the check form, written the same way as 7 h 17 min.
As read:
8 h 27 min
